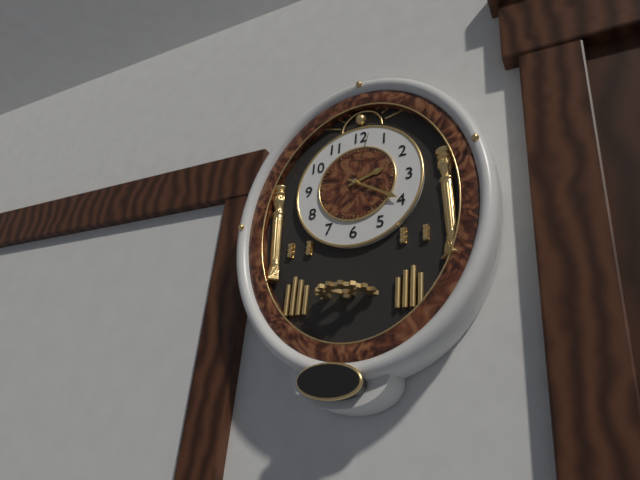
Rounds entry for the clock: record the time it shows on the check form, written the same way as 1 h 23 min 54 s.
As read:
2 h 20 min 02 s
